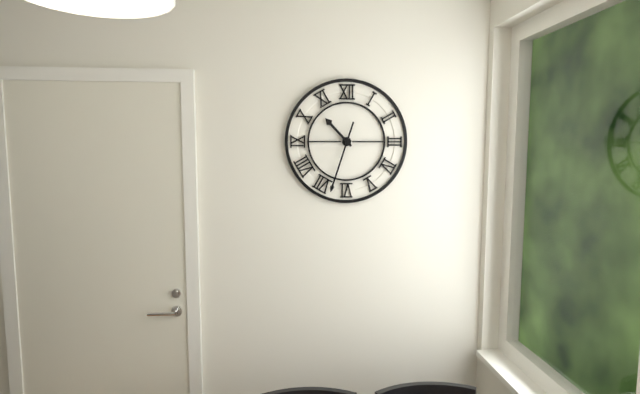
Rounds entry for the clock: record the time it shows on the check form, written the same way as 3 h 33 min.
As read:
10 h 33 min
